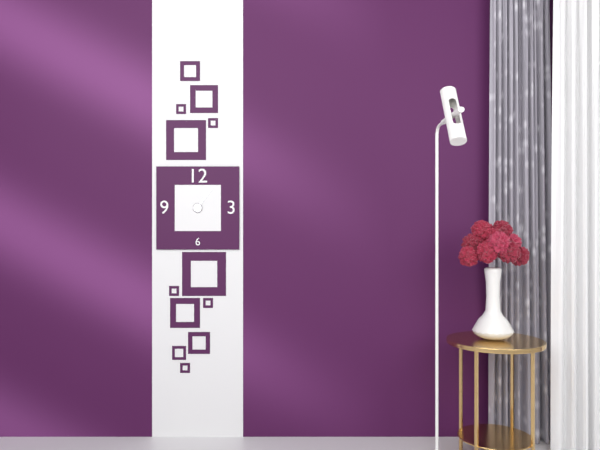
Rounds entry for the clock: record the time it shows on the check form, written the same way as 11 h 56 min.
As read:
1 h 06 min
